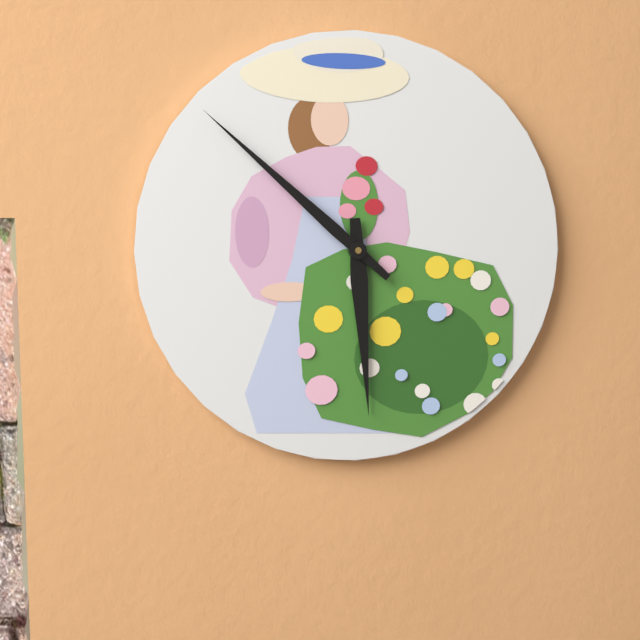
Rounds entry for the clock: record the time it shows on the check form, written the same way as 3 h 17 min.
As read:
5 h 52 min
